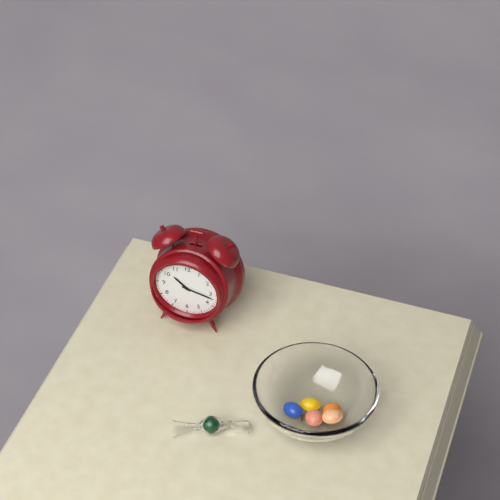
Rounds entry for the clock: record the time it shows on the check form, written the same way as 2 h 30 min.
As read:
10 h 17 min
